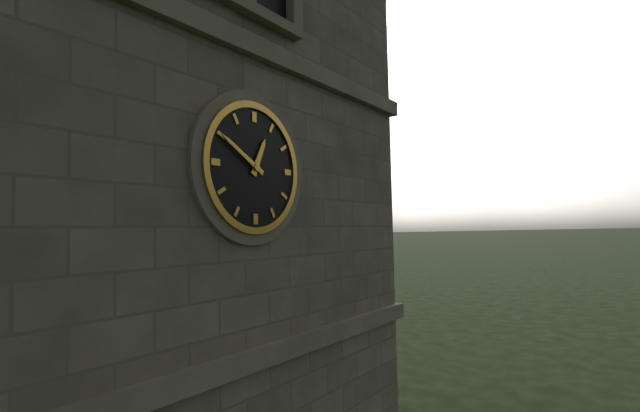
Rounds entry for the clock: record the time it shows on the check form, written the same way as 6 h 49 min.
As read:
12 h 50 min
